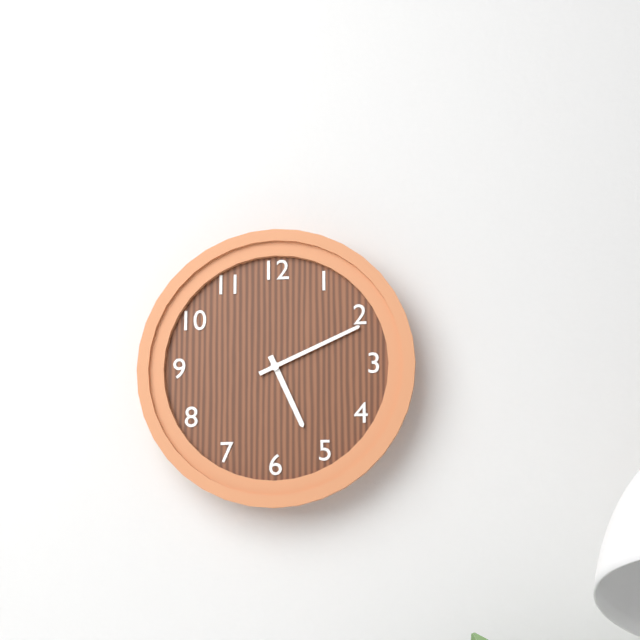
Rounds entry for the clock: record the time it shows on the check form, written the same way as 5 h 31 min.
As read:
5 h 11 min
